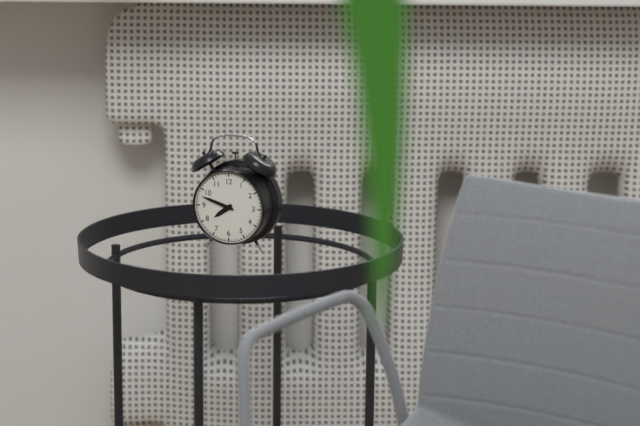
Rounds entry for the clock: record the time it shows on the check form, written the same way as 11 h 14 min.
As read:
7 h 48 min
